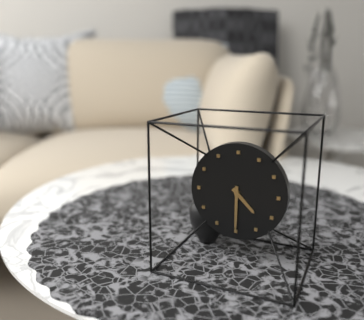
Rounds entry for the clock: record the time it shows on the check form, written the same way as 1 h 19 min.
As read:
4 h 30 min
